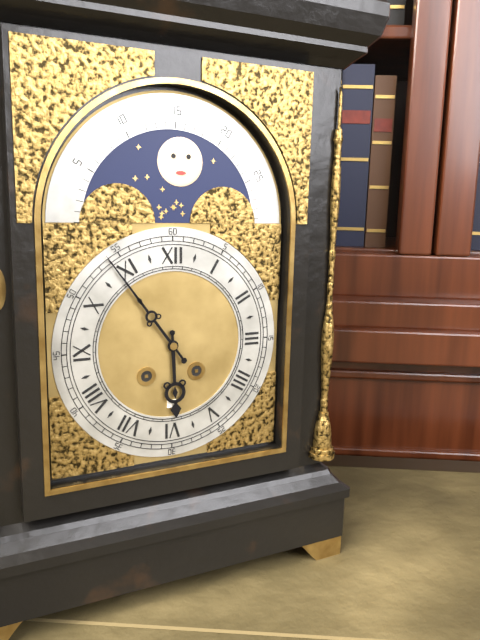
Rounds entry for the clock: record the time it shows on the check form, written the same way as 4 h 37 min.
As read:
5 h 54 min
